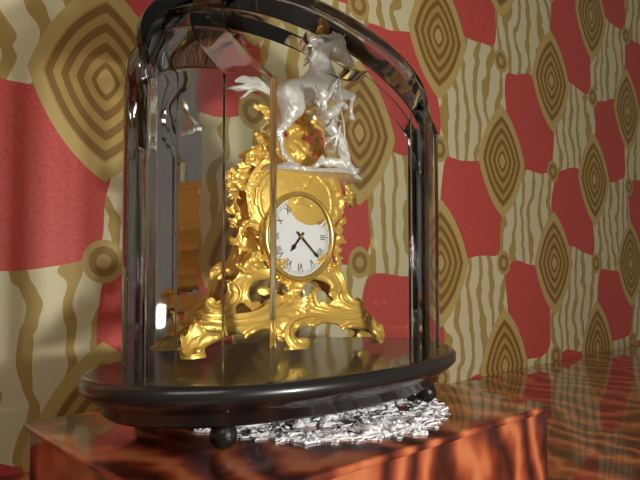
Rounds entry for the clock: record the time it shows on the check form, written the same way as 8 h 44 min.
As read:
7 h 22 min
